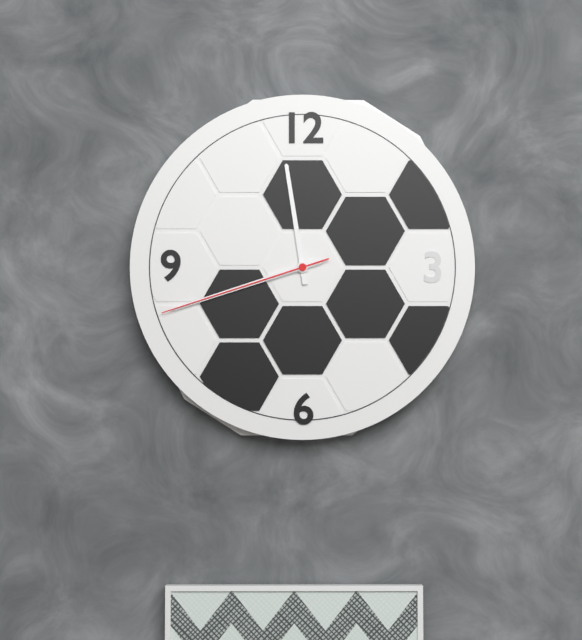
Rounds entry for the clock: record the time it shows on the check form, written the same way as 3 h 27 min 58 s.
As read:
11 h 42 min 42 s
